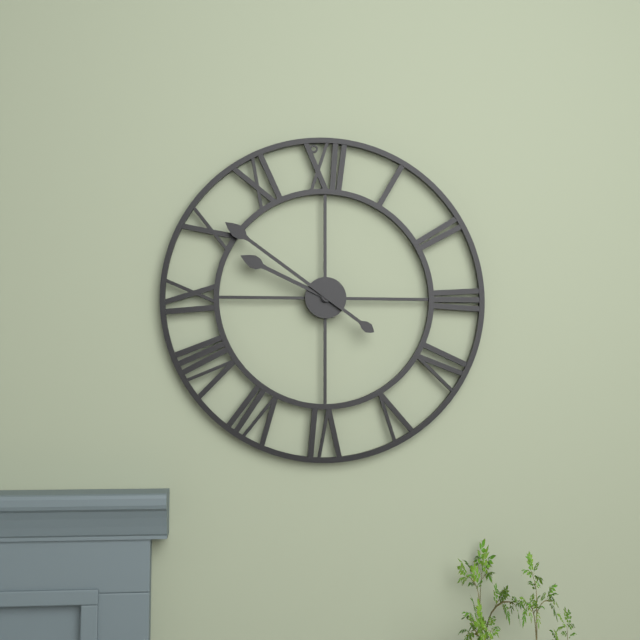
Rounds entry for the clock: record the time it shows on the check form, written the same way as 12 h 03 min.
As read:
9 h 51 min
